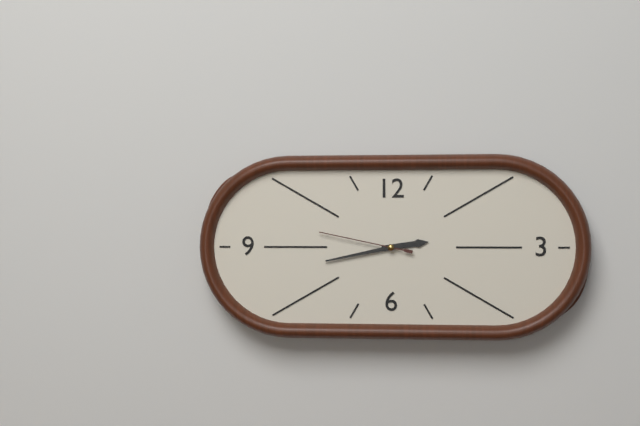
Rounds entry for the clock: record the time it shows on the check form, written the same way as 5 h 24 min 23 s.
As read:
2 h 43 min 47 s
